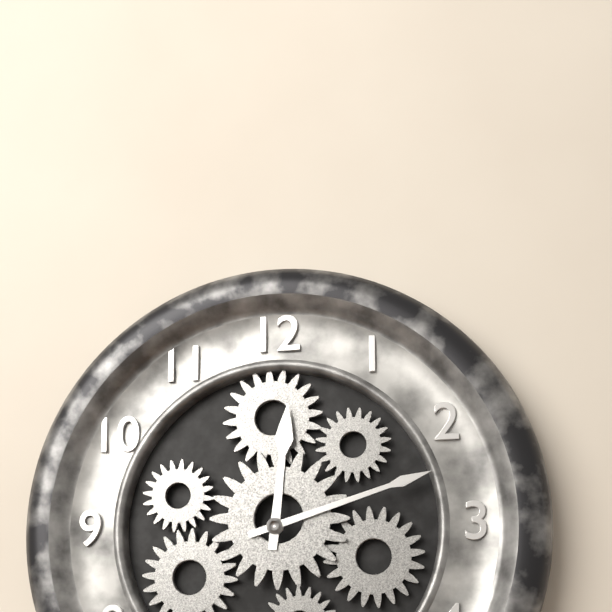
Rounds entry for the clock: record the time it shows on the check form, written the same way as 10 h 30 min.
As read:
12 h 12 min
